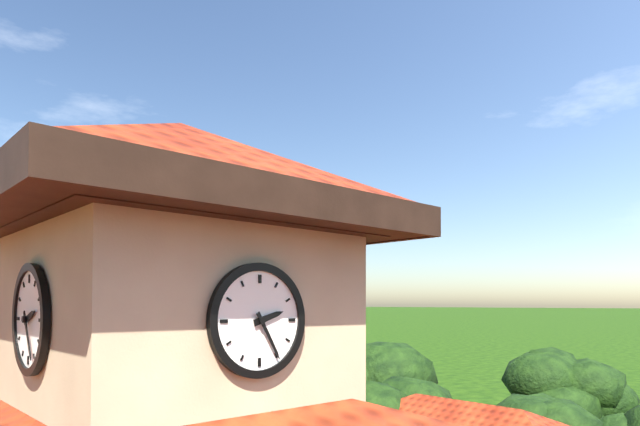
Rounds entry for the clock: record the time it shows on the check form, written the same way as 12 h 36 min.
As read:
2 h 25 min
